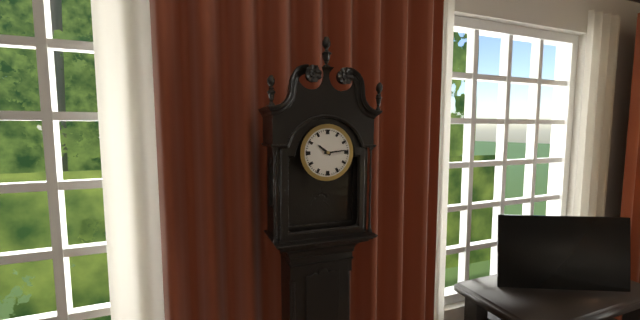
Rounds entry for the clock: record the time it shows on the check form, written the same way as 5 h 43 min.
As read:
10 h 14 min
